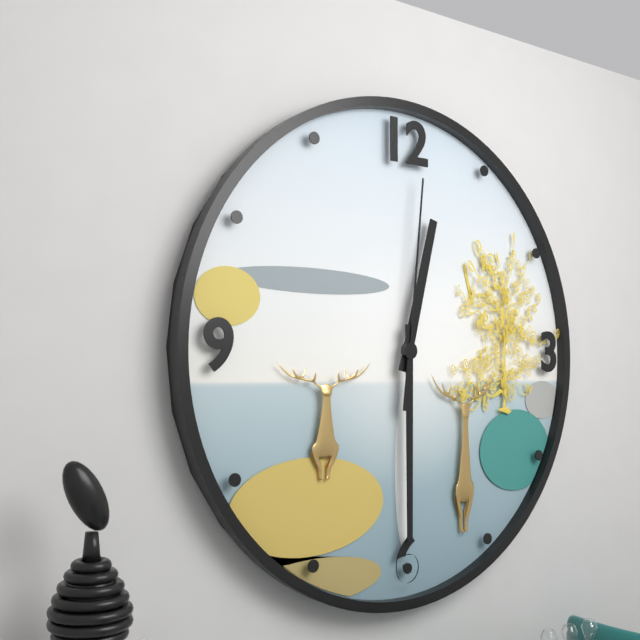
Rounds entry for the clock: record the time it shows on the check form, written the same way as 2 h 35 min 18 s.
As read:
12 h 30 min 01 s
